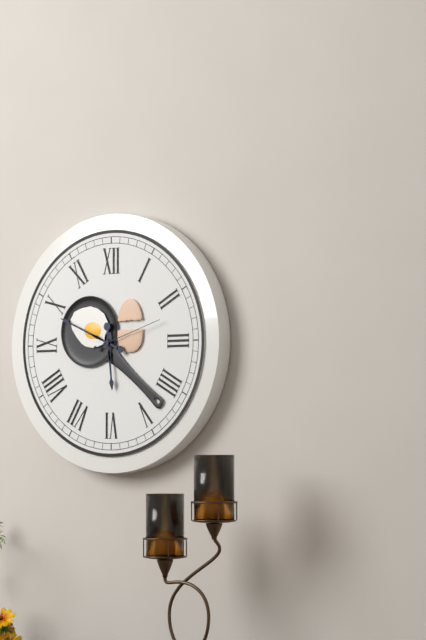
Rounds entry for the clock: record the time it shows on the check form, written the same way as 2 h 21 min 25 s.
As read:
5 h 49 min 12 s
